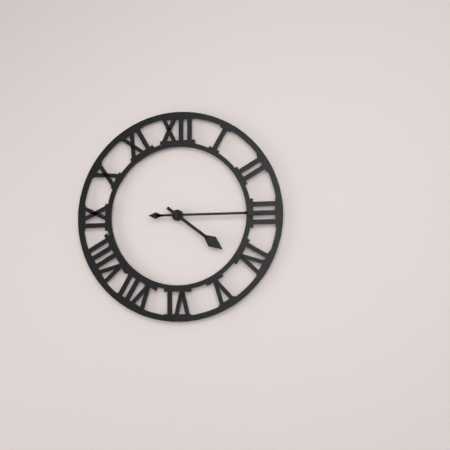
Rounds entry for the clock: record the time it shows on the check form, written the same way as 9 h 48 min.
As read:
4 h 15 min
